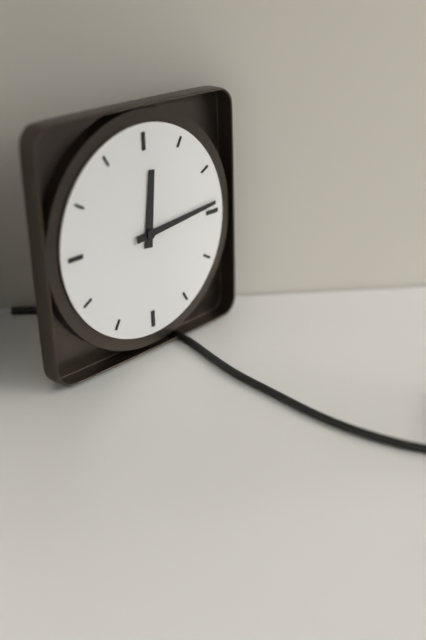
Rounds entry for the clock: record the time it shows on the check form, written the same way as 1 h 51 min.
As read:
12 h 14 min
